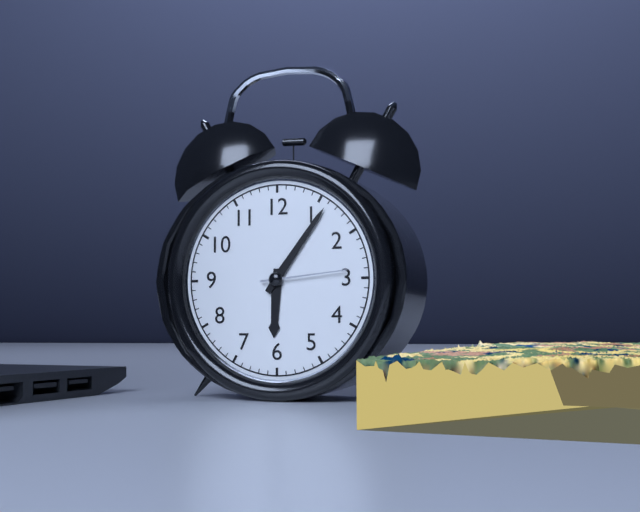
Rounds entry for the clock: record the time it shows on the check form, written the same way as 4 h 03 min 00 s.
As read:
6 h 06 min 14 s
